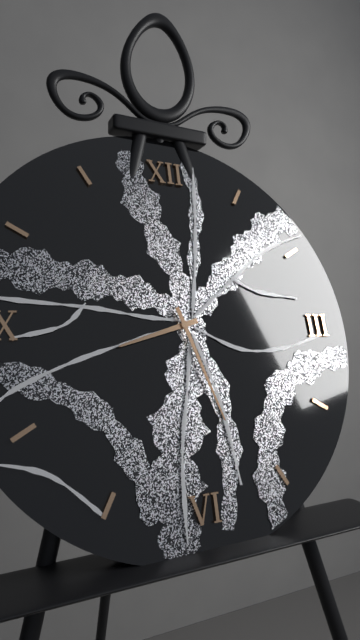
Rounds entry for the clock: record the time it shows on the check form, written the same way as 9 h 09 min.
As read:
8 h 27 min
